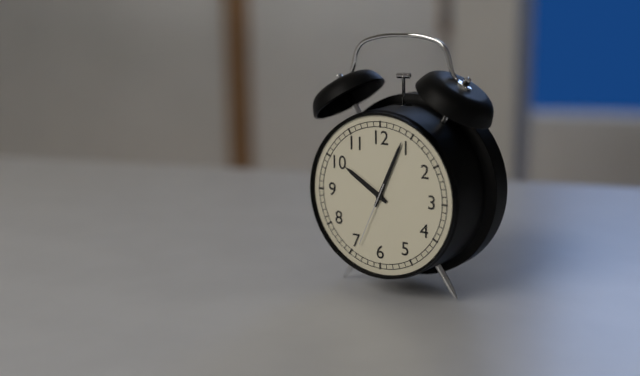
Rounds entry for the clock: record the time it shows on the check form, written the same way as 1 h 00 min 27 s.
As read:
10 h 04 min 34 s
